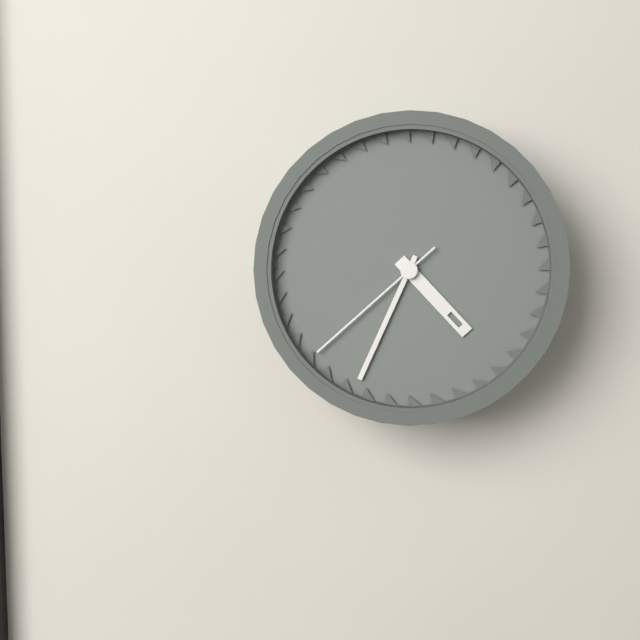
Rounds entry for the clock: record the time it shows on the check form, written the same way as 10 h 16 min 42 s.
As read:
4 h 34 min 38 s
